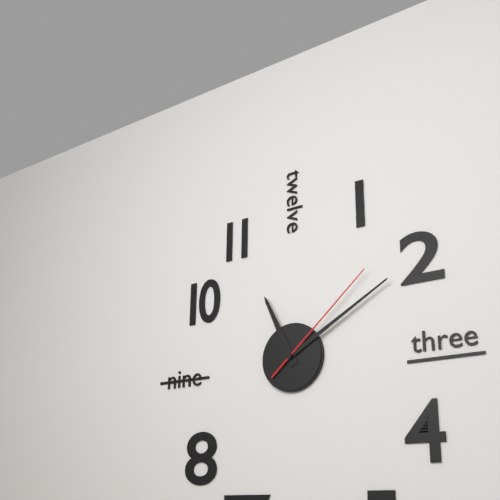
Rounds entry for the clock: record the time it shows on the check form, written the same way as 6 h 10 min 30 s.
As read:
11 h 10 min 08 s
